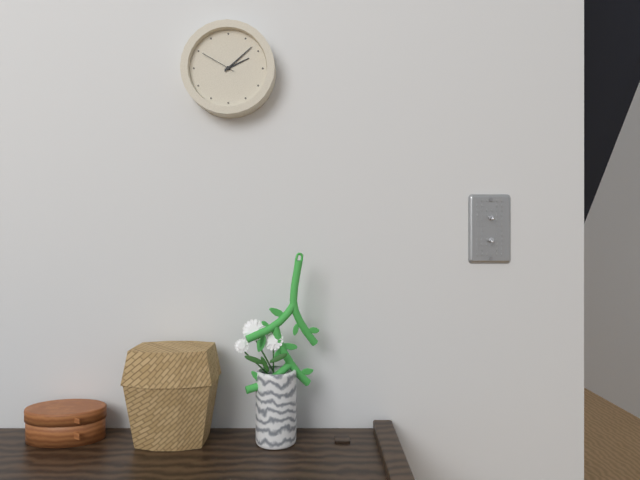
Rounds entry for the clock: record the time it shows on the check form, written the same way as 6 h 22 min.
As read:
2 h 08 min
